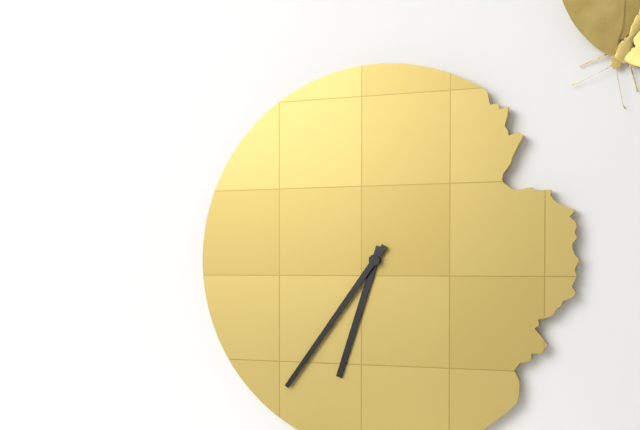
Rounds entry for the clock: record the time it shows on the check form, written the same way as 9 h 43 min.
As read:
6 h 36 min
